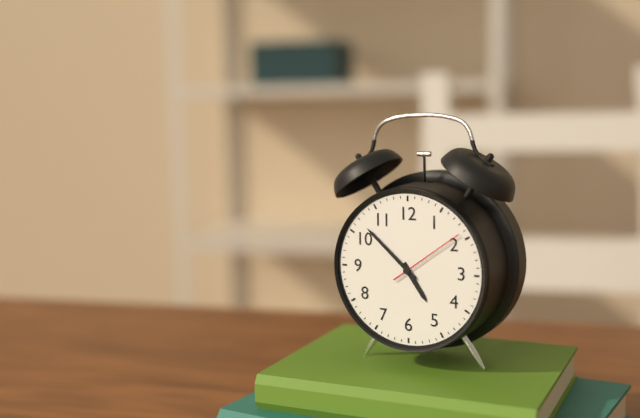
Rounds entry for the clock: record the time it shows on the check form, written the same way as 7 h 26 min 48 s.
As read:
4 h 52 min 09 s
